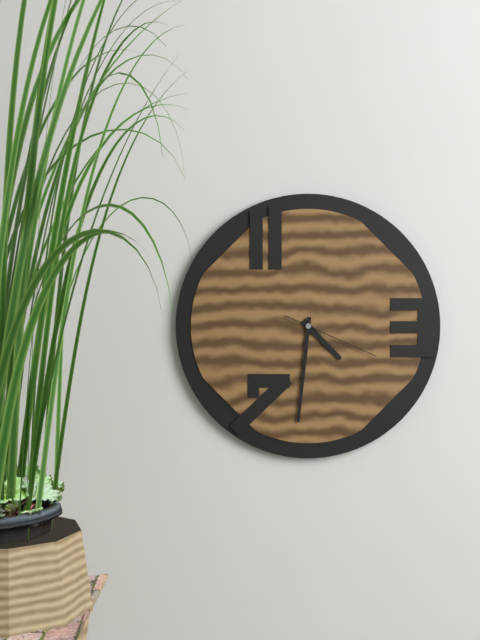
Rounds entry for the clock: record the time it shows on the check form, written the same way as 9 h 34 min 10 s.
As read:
4 h 31 min 19 s
